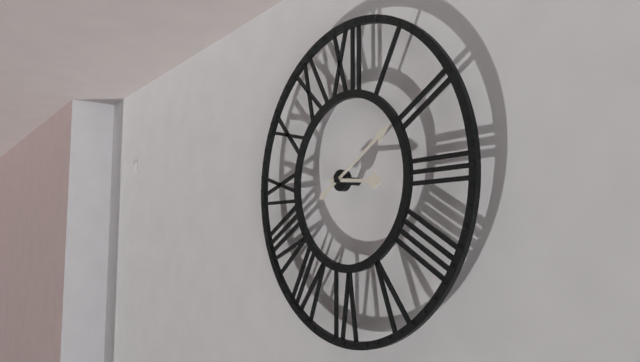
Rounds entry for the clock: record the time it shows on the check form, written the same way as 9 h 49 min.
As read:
3 h 10 min
